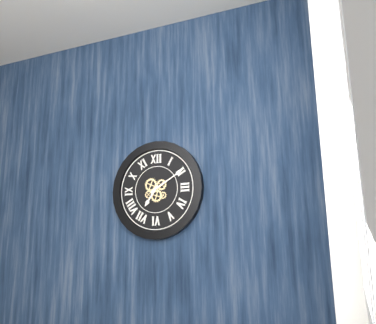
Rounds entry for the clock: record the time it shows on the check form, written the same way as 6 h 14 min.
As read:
7 h 10 min
